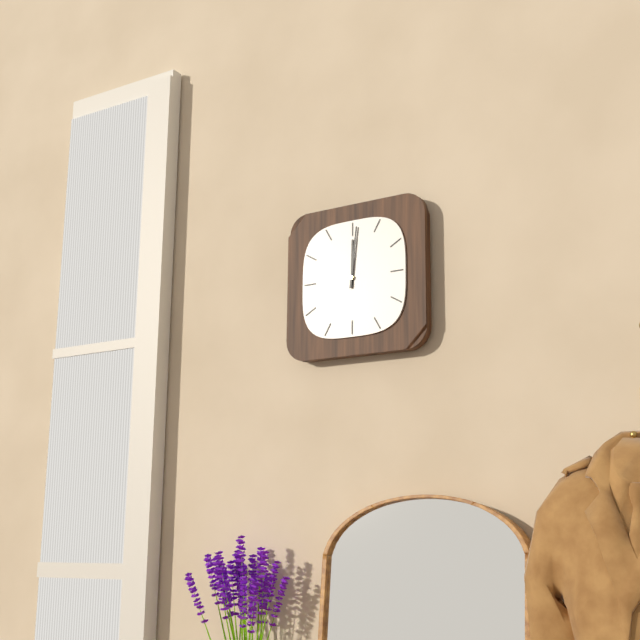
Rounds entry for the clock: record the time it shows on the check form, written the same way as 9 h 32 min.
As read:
12 h 01 min
